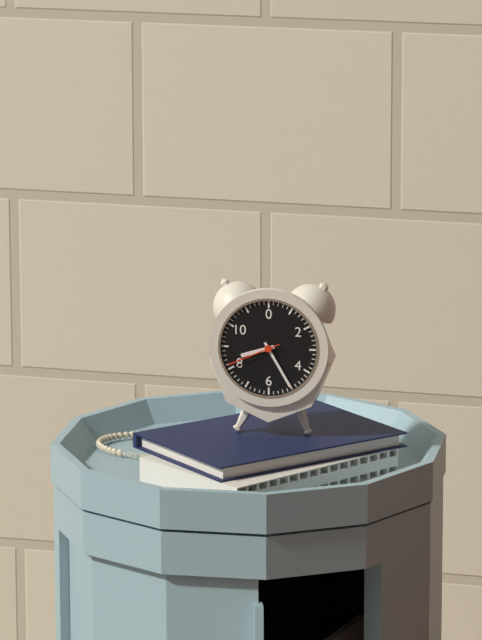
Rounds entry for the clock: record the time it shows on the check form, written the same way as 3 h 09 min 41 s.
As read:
8 h 25 min 41 s
